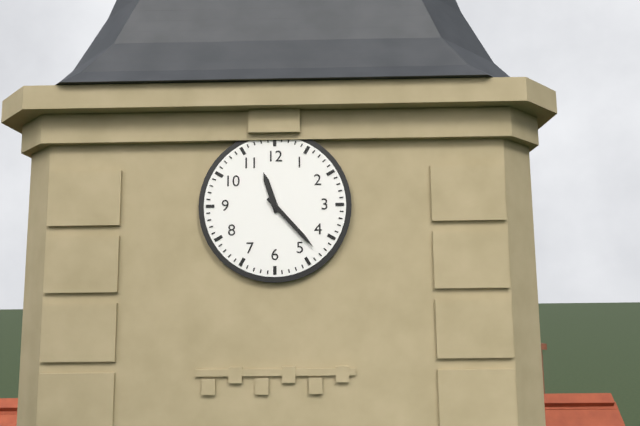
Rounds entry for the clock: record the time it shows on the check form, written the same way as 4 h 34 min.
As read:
11 h 23 min
